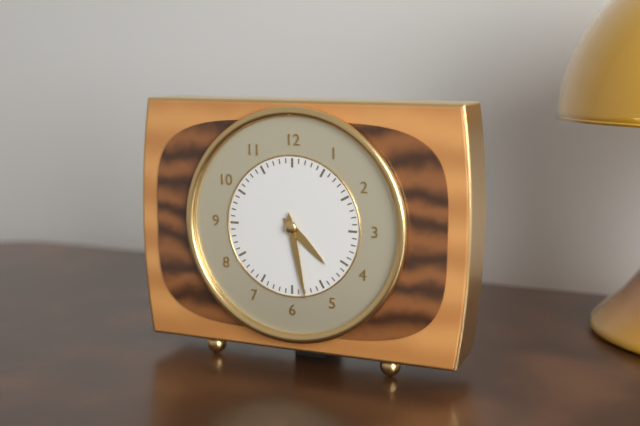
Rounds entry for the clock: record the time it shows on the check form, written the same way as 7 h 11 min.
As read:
4 h 28 min
